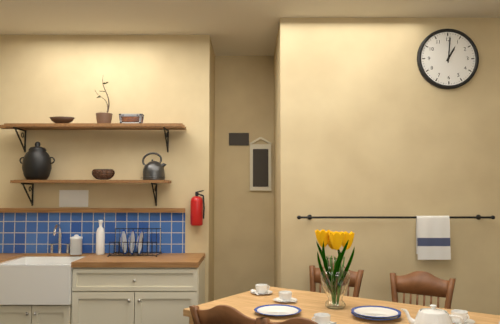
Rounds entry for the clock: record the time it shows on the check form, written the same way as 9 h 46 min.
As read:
1 h 01 min
